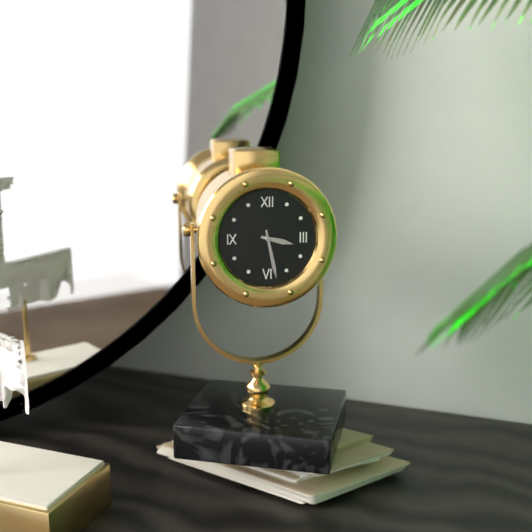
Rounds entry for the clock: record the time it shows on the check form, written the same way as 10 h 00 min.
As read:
3 h 28 min
